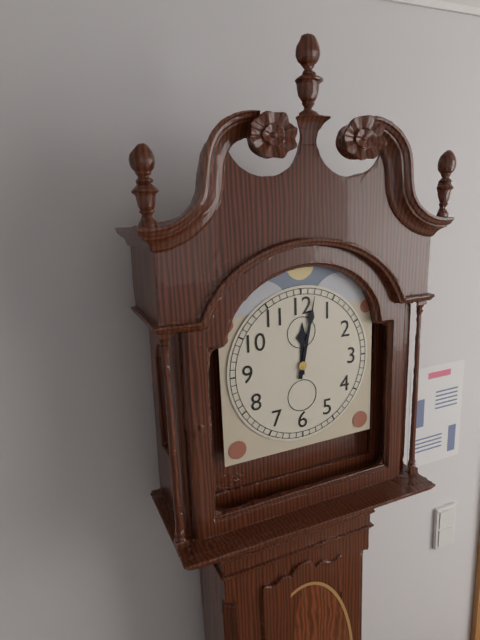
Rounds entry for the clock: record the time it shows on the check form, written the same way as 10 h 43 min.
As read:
12 h 02 min
